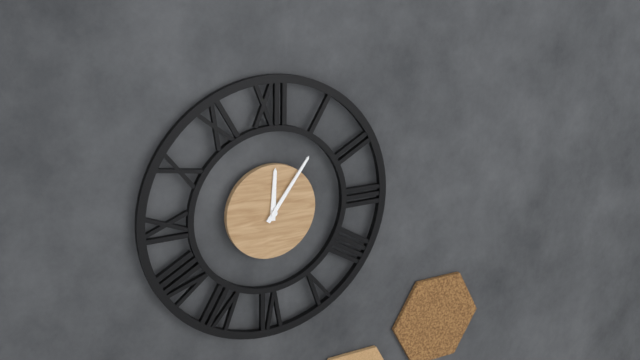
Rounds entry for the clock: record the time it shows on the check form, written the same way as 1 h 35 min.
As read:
12 h 06 min
